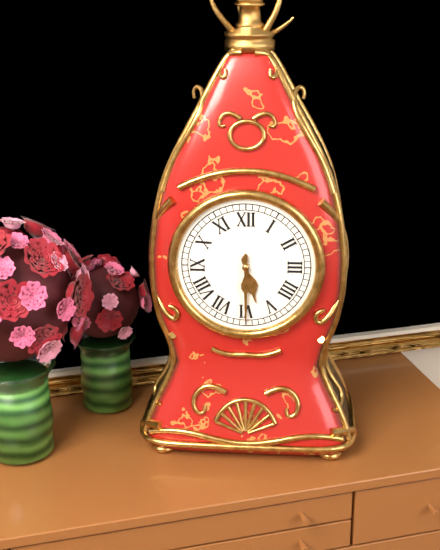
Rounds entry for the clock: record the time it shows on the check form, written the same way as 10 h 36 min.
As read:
5 h 30 min
